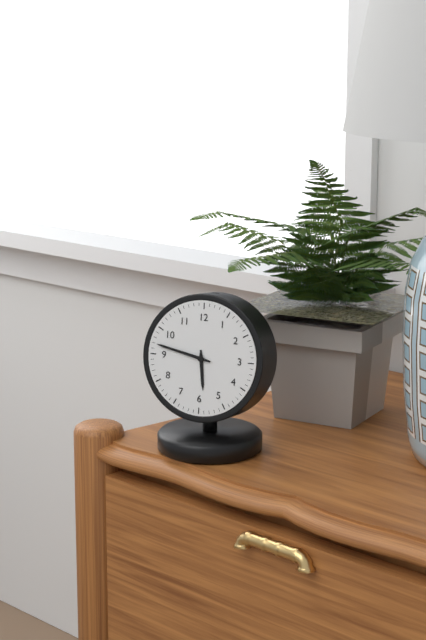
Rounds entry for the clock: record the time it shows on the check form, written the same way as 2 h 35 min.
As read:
5 h 47 min
